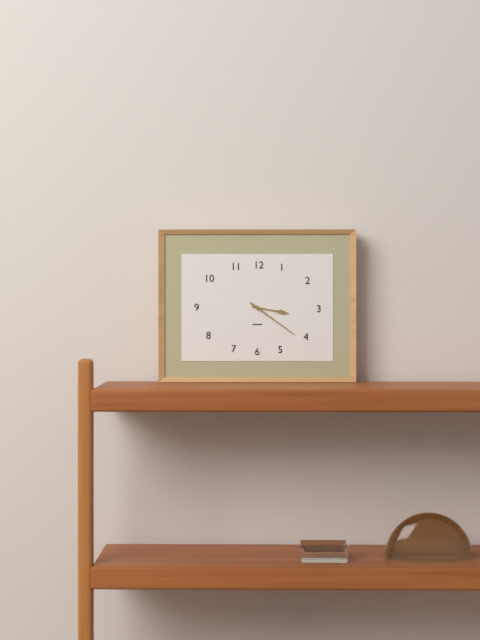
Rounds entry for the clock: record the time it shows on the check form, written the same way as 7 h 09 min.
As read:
3 h 21 min
